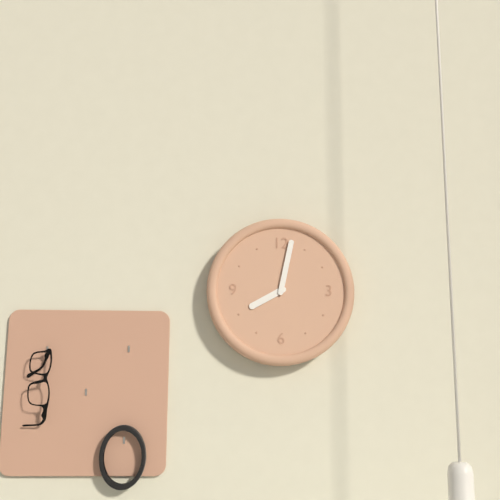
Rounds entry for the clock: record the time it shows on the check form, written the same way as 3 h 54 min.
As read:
8 h 02 min
